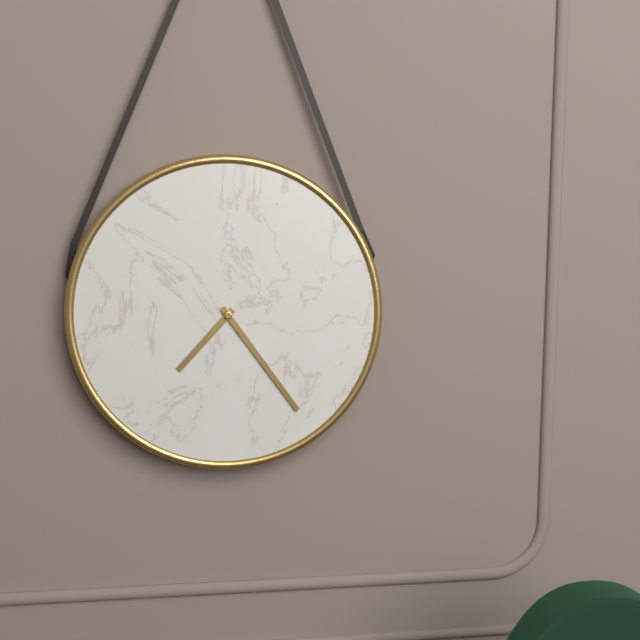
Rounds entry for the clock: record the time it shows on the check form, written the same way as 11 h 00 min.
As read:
7 h 24 min
